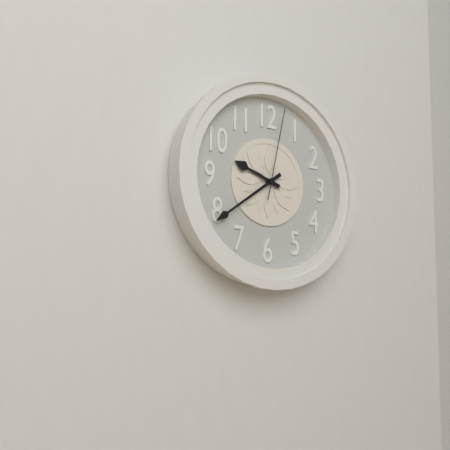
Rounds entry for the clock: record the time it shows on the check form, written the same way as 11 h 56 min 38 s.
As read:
9 h 39 min 02 s
